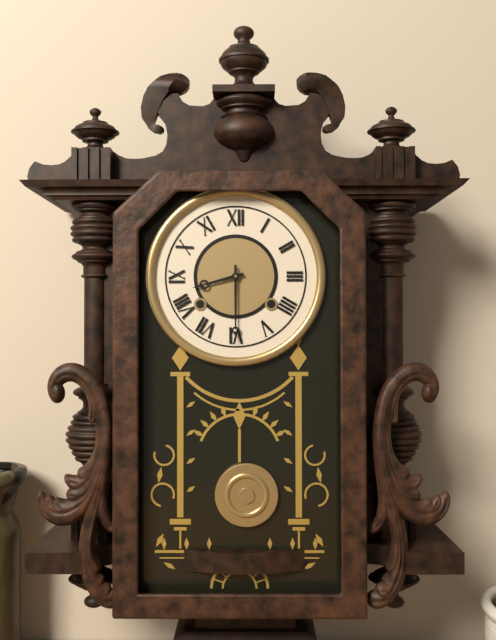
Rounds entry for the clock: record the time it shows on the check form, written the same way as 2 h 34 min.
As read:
8 h 30 min
